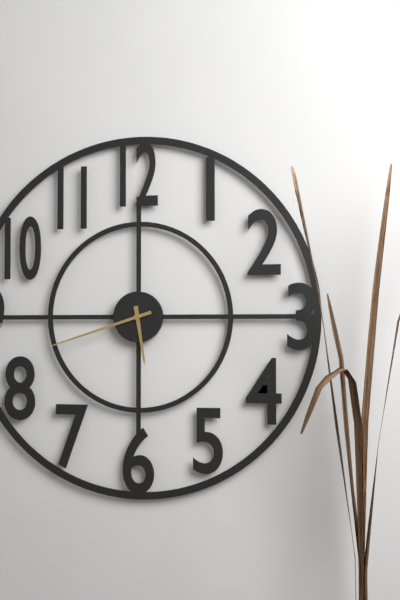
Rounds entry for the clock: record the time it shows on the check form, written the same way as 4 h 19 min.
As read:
5 h 42 min
